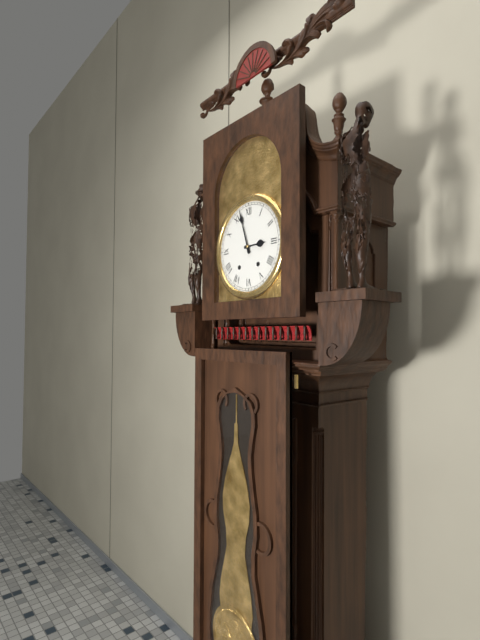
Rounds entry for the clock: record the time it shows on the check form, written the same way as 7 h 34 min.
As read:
2 h 57 min
